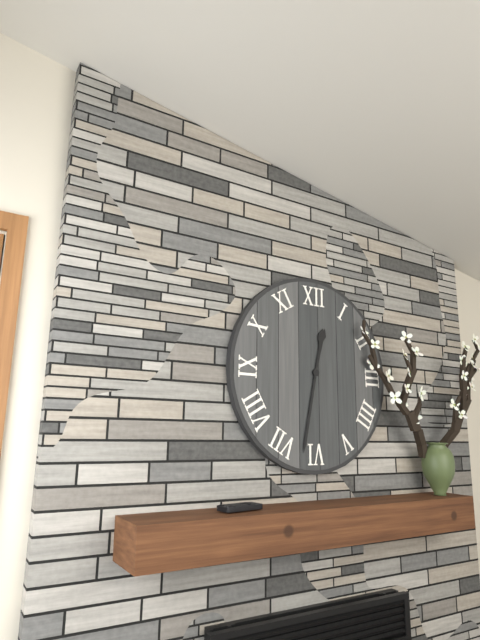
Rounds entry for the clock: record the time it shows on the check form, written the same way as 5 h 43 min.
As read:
12 h 32 min
